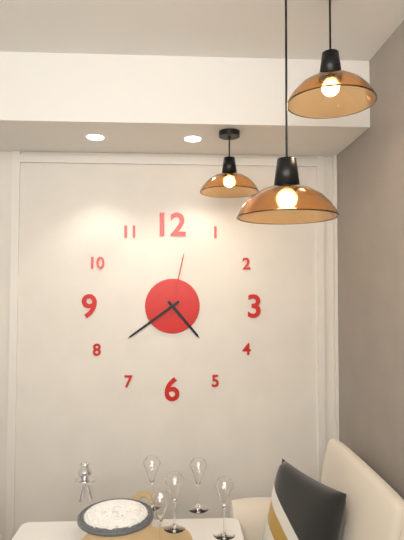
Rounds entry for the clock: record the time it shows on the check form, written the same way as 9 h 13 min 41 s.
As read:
4 h 39 min 02 s
